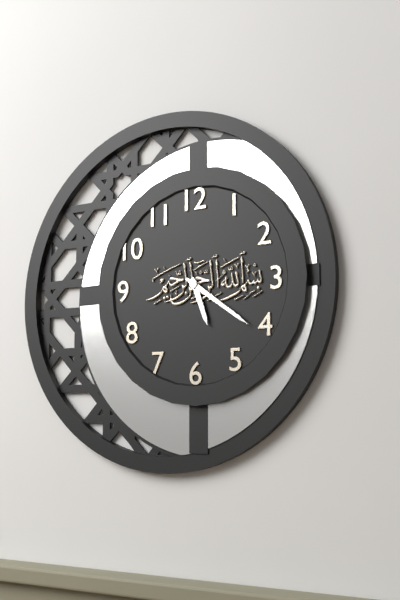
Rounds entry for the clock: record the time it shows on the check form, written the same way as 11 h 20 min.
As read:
5 h 21 min
